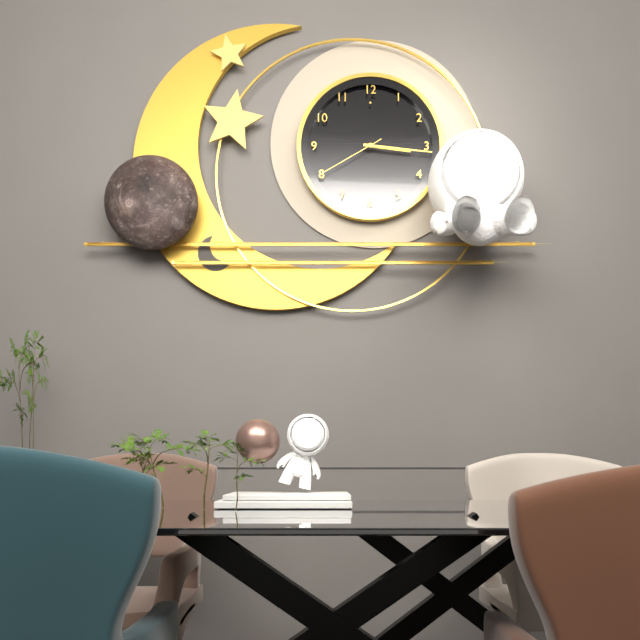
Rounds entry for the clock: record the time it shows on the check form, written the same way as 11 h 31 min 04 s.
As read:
3 h 16 min 40 s
